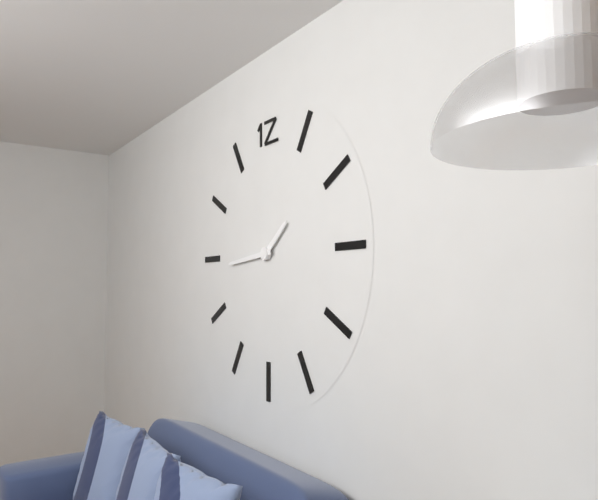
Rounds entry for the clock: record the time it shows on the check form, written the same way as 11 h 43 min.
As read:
1 h 44 min
